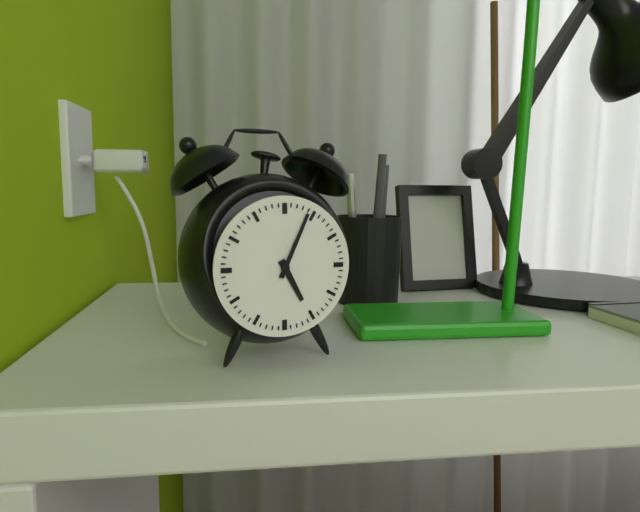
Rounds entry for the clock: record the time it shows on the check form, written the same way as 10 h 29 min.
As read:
5 h 04 min
